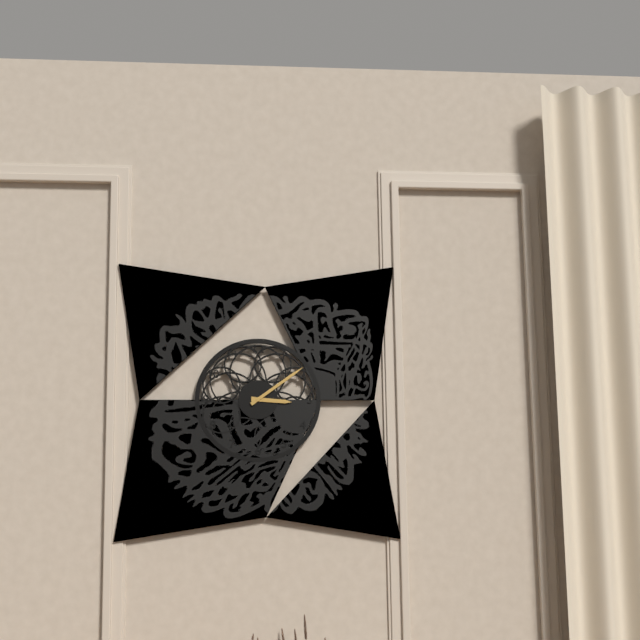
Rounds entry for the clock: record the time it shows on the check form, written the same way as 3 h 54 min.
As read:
3 h 09 min
